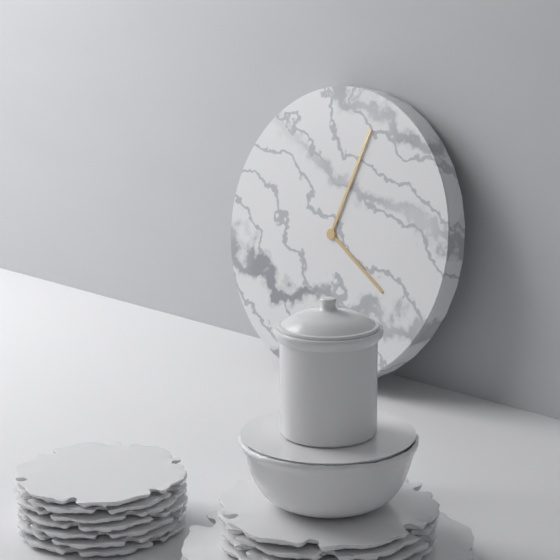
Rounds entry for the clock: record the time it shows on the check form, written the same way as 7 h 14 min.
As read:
4 h 03 min
